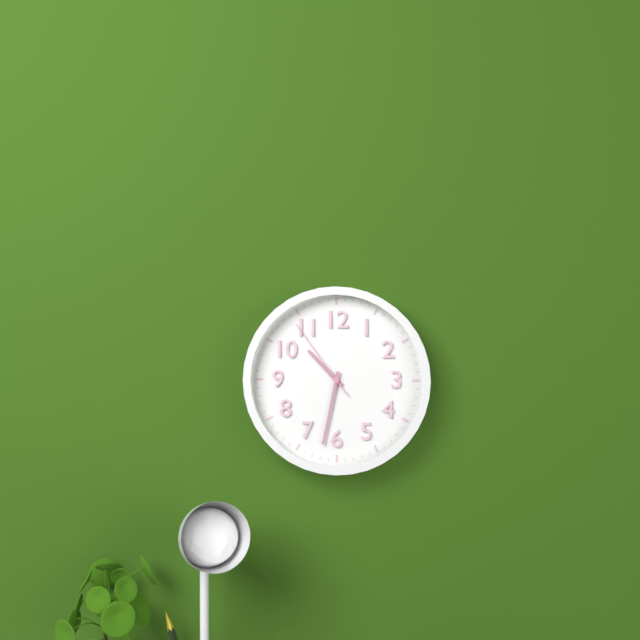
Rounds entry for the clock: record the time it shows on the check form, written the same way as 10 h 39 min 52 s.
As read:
10 h 32 min 54 s
